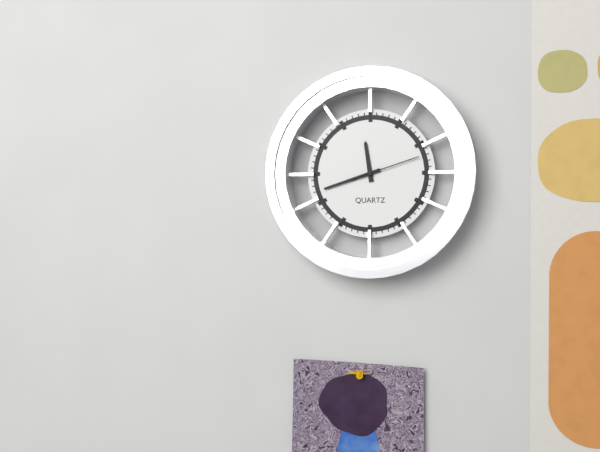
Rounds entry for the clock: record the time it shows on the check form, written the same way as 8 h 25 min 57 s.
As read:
11 h 42 min 12 s
